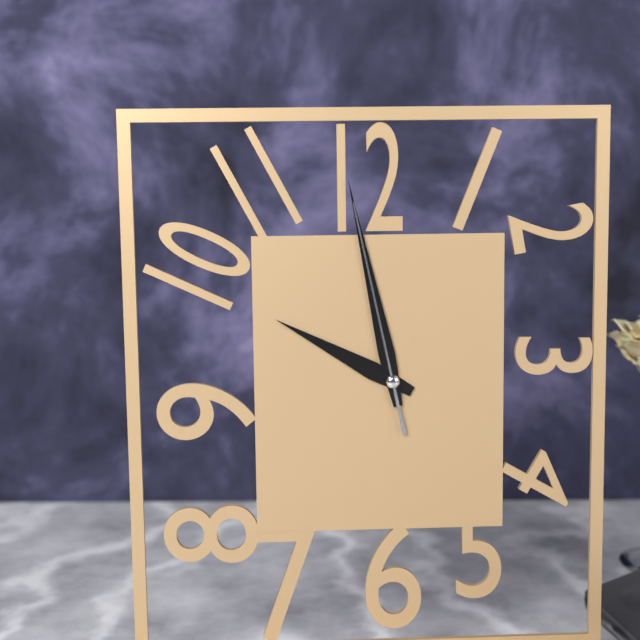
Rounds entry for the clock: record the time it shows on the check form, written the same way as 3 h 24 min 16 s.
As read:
9 h 58 min 58 s
